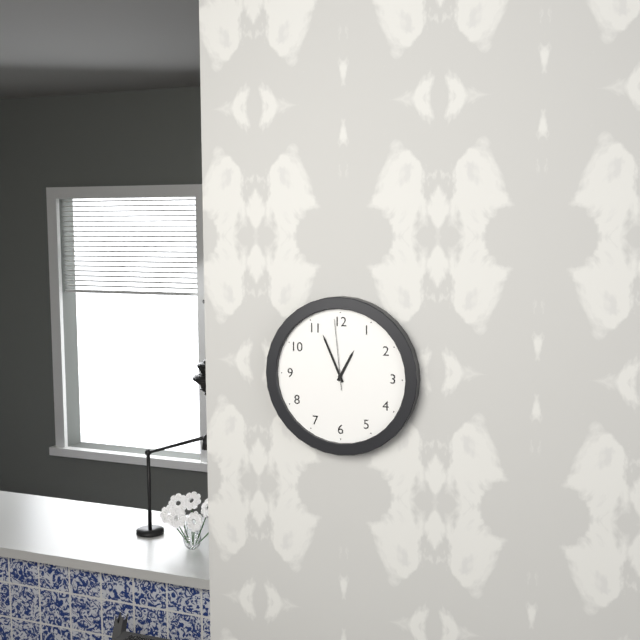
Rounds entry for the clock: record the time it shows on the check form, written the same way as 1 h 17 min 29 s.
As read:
12 h 56 min 59 s
